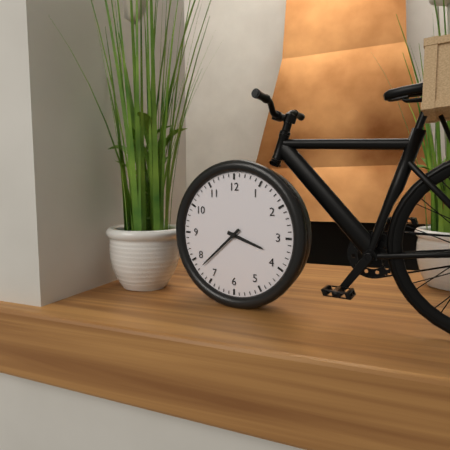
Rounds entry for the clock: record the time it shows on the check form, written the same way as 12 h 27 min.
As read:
3 h 38 min
